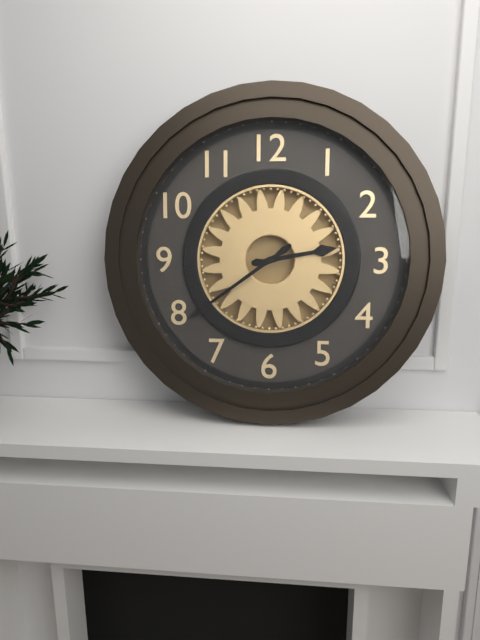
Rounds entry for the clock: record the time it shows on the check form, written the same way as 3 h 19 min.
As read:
2 h 39 min
